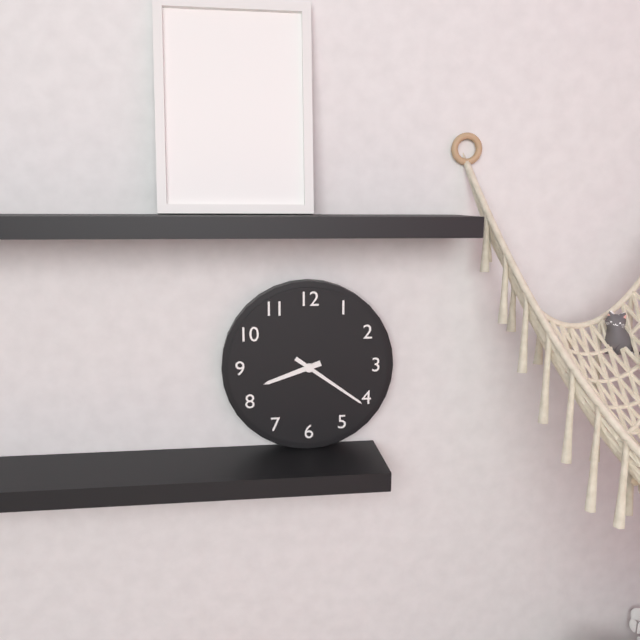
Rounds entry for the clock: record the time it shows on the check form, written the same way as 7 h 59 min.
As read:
8 h 21 min
